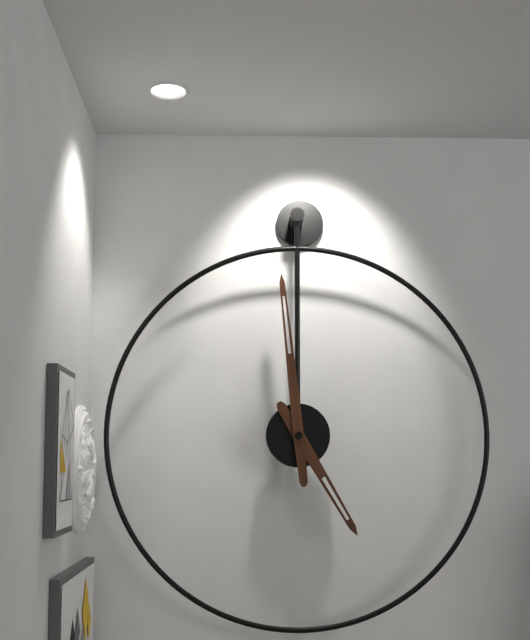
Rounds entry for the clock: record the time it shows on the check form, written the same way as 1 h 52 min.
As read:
4 h 59 min
